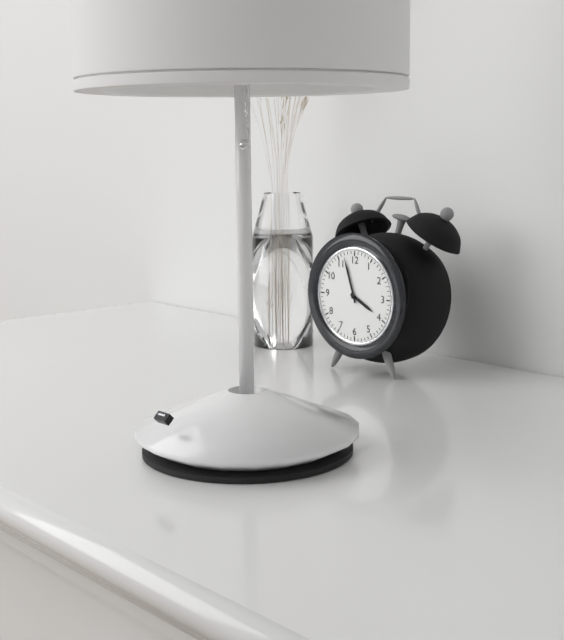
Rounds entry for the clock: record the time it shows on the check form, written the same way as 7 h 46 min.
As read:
3 h 57 min
